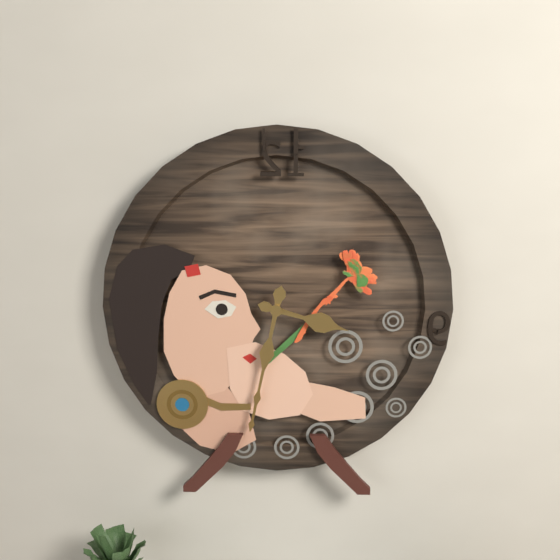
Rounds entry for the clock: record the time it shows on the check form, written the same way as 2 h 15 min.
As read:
3 h 32 min
